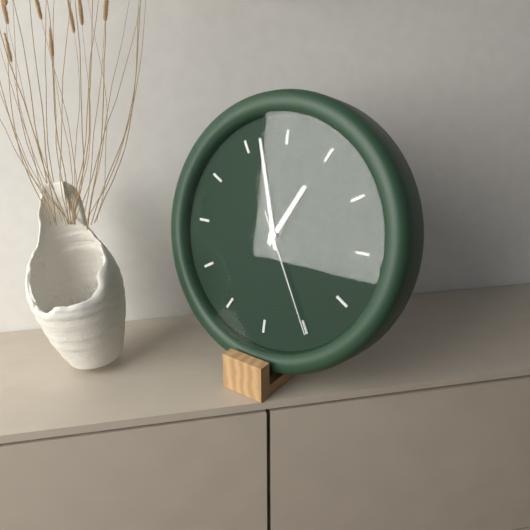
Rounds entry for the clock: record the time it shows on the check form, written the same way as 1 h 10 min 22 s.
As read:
12 h 57 min 25 s
